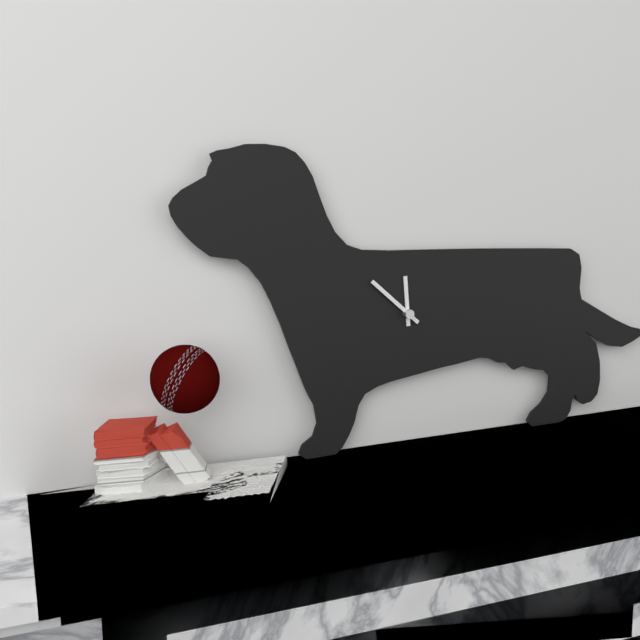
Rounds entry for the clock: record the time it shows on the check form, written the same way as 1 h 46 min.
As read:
11 h 52 min
